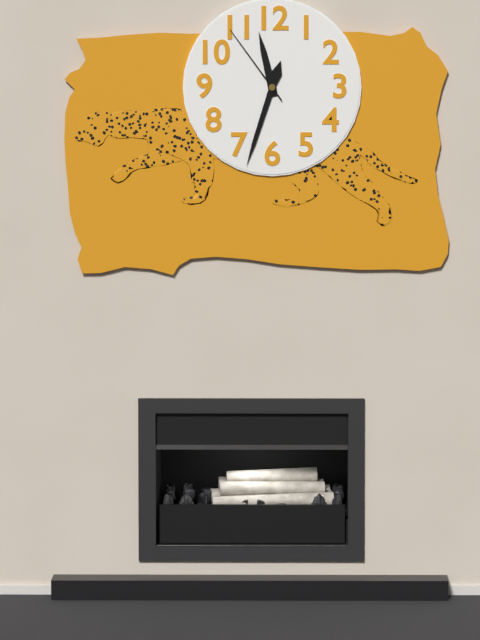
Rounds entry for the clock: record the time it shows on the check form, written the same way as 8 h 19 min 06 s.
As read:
11 h 33 min 54 s
